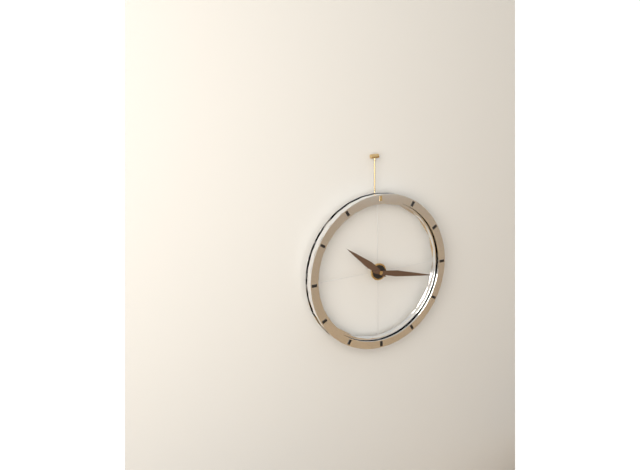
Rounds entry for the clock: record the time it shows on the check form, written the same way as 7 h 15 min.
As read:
10 h 17 min
